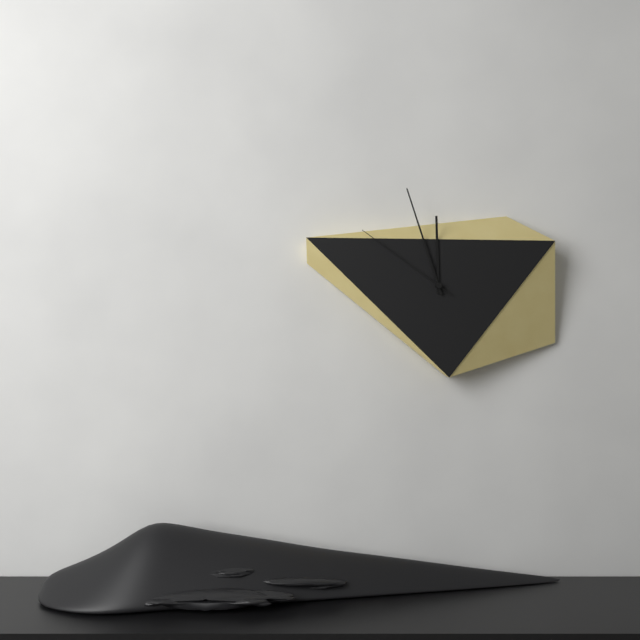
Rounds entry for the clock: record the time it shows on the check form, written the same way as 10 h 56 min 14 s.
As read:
11 h 57 min 51 s
